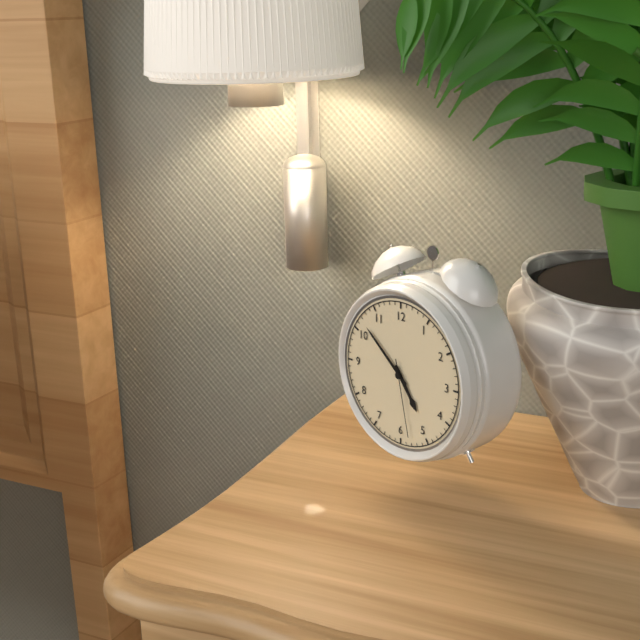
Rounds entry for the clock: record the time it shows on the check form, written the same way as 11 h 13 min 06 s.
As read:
4 h 52 min 28 s
